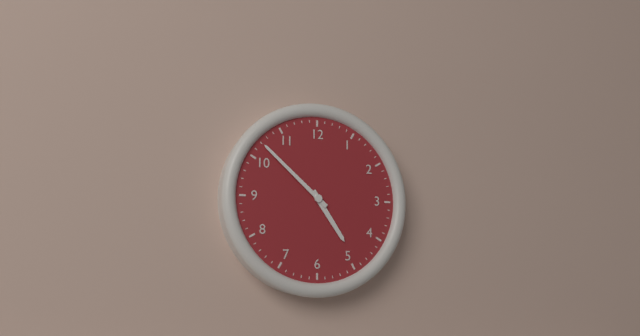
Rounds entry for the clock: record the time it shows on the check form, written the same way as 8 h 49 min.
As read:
4 h 52 min
